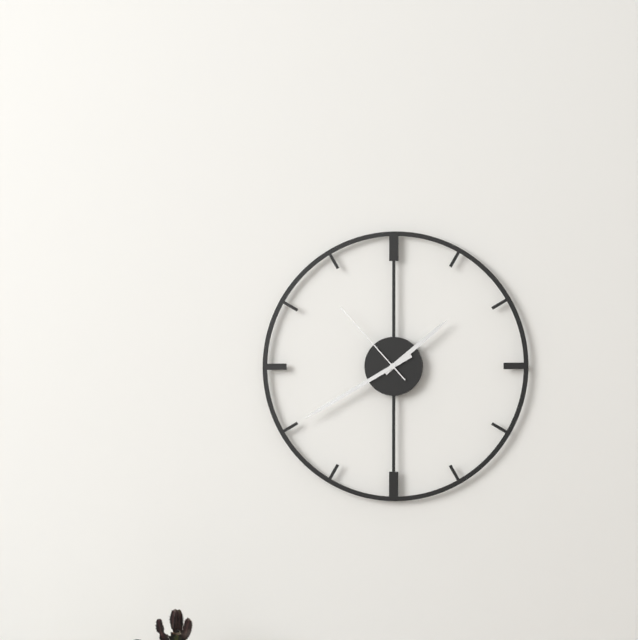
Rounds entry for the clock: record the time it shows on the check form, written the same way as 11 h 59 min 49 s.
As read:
1 h 40 min 53 s
